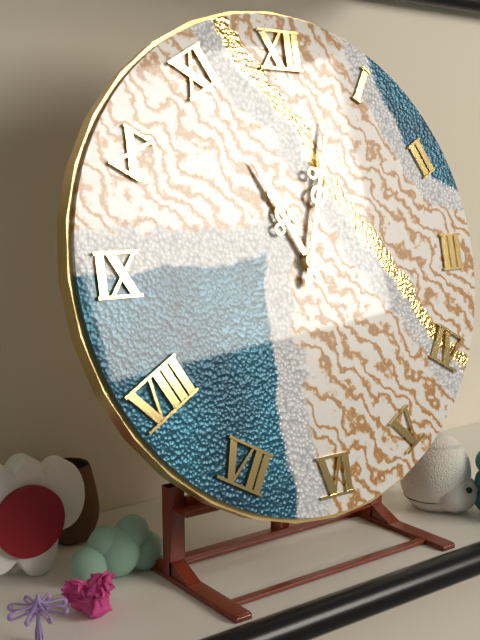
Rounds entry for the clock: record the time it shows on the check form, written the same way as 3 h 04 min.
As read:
11 h 03 min
